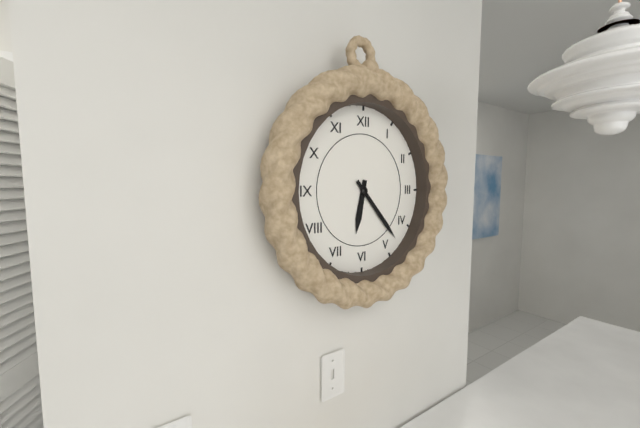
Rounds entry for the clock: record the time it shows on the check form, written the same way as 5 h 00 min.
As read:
6 h 23 min
